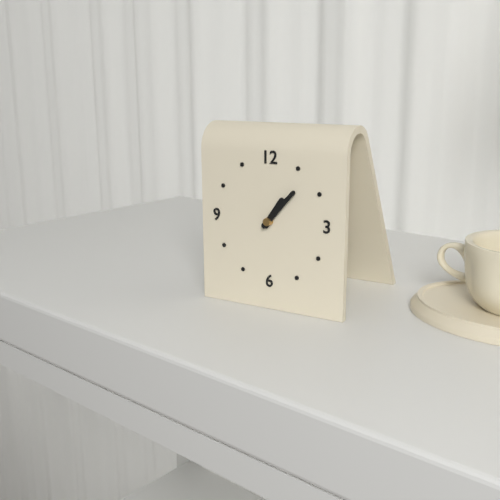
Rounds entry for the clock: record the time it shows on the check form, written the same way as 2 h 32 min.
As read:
1 h 07 min
